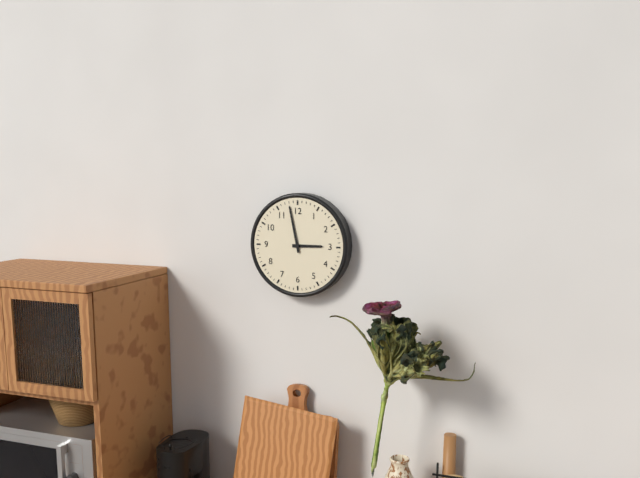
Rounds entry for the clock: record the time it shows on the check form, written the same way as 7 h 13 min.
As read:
2 h 58 min
